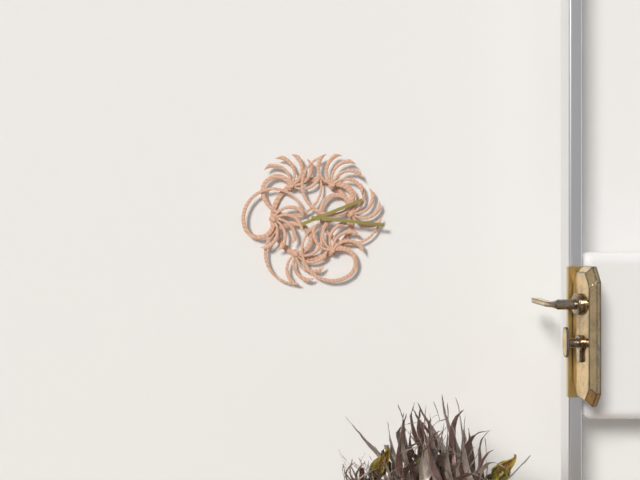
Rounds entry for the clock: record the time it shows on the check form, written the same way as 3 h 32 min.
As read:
2 h 16 min
